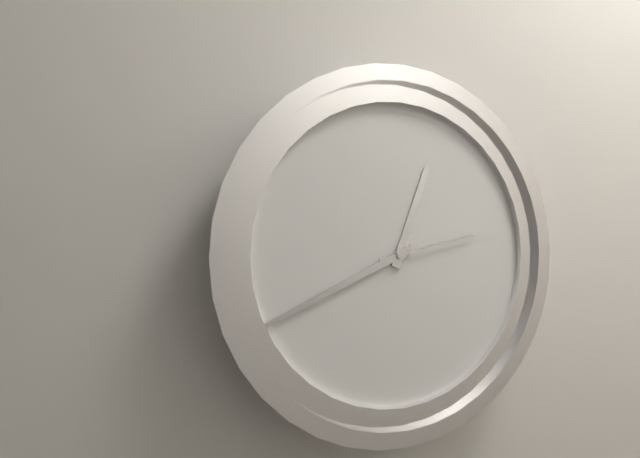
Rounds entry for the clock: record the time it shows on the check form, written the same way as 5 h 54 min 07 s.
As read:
12 h 41 min 13 s
